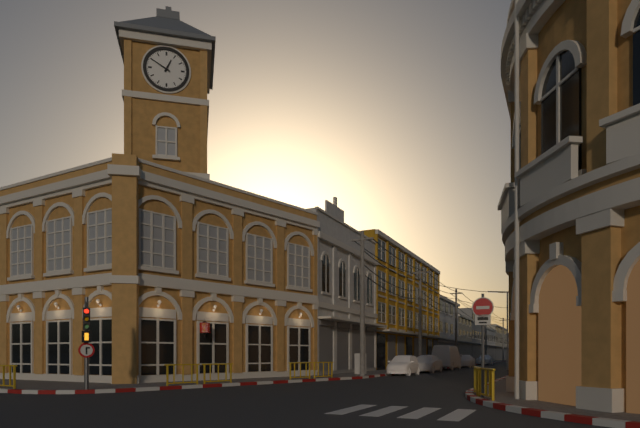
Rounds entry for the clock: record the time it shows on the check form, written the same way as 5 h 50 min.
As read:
12 h 50 min
